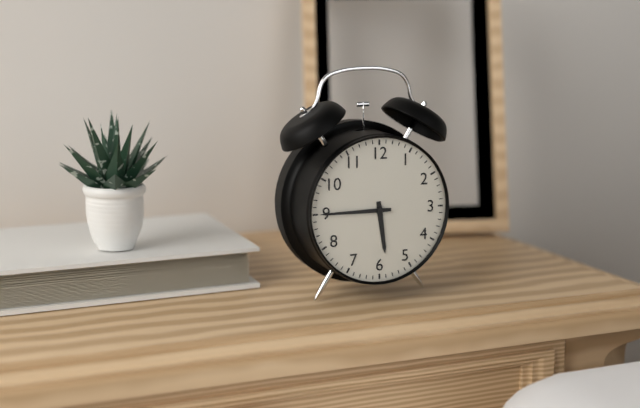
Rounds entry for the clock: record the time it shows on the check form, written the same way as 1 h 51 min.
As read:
5 h 45 min
